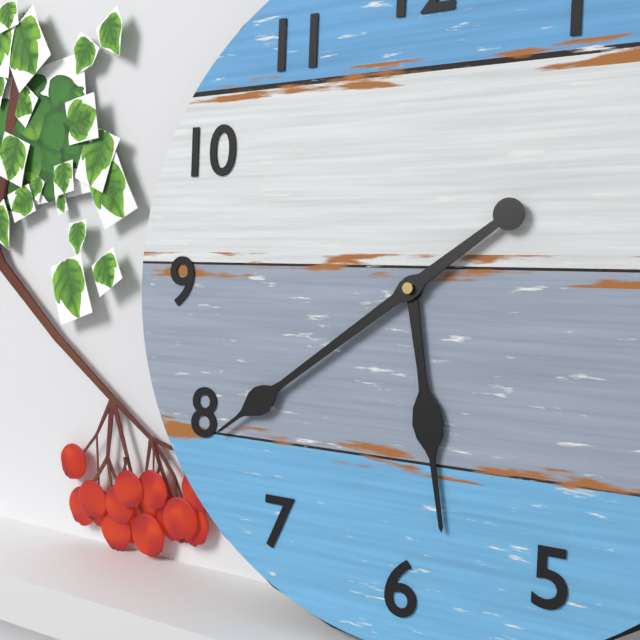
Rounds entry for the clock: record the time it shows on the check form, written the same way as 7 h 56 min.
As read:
5 h 39 min
